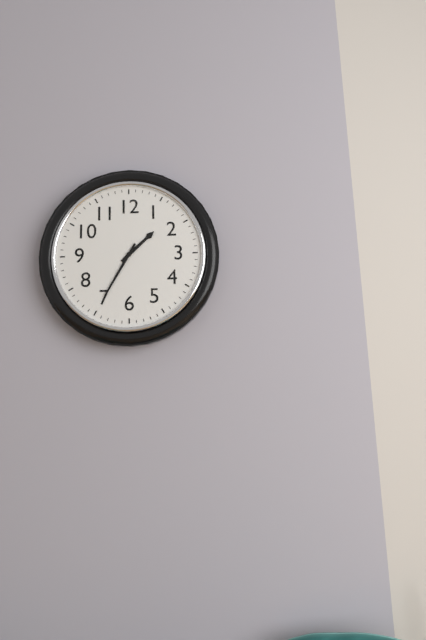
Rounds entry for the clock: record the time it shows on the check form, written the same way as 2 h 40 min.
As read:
1 h 35 min
